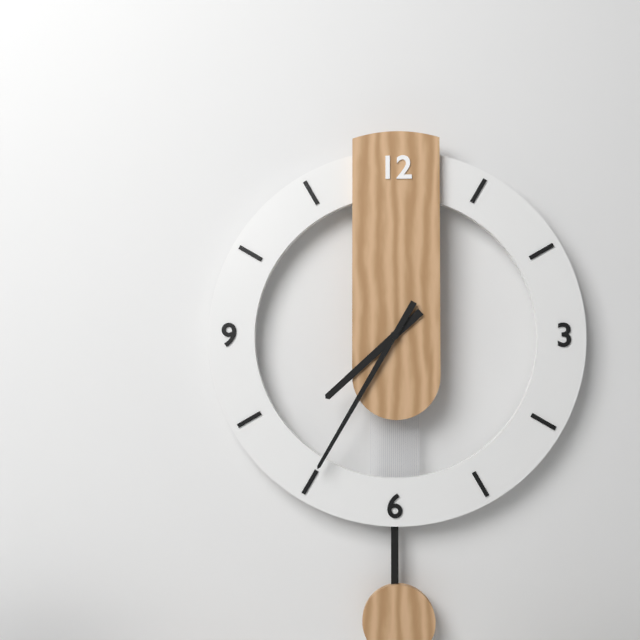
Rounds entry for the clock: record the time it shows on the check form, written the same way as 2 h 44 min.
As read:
7 h 35 min
